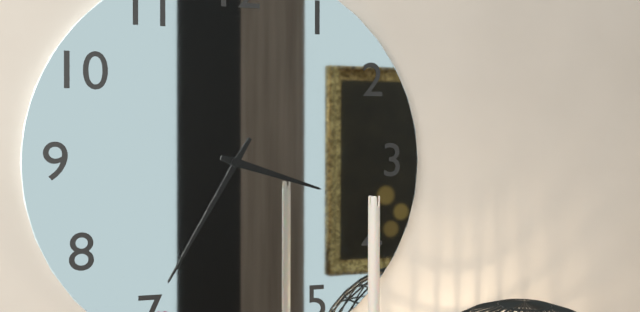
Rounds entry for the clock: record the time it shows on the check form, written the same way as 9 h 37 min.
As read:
3 h 35 min
